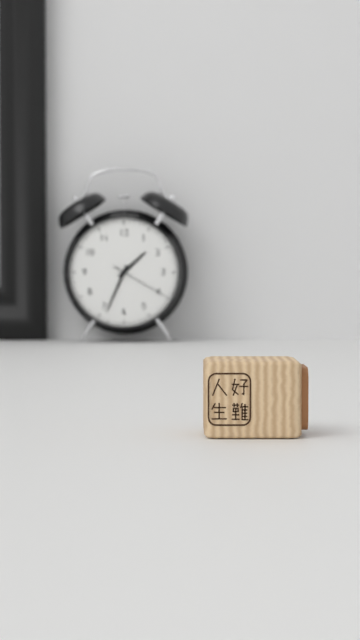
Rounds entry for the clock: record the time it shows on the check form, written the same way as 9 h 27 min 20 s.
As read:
1 h 34 min 20 s
